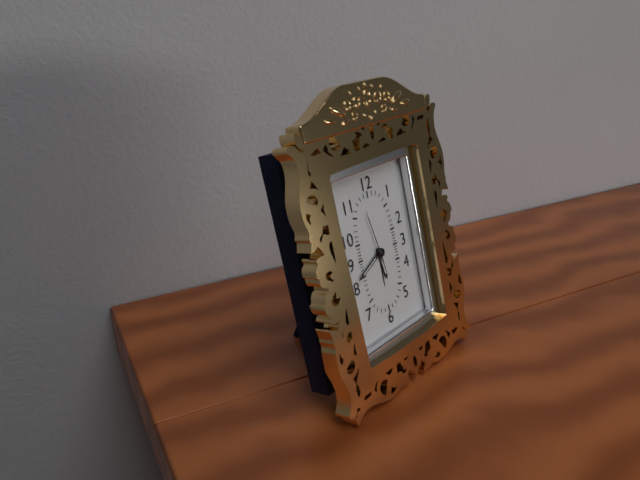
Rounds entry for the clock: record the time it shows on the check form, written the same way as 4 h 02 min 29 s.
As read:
5 h 41 min 58 s
